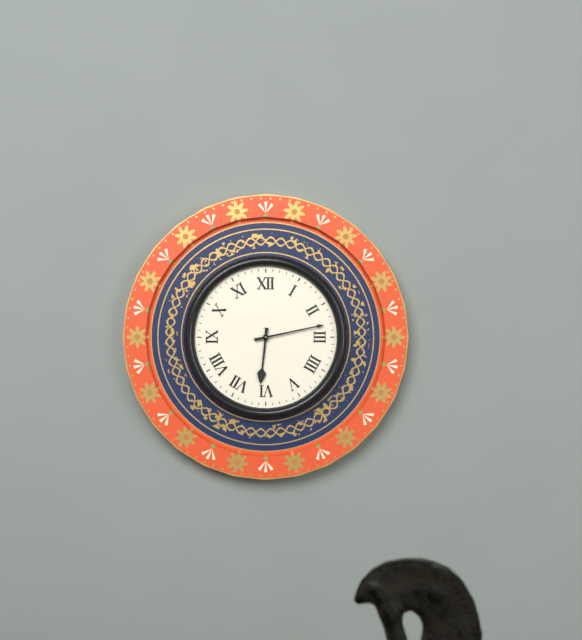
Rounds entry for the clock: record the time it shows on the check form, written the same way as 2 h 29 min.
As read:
6 h 13 min
